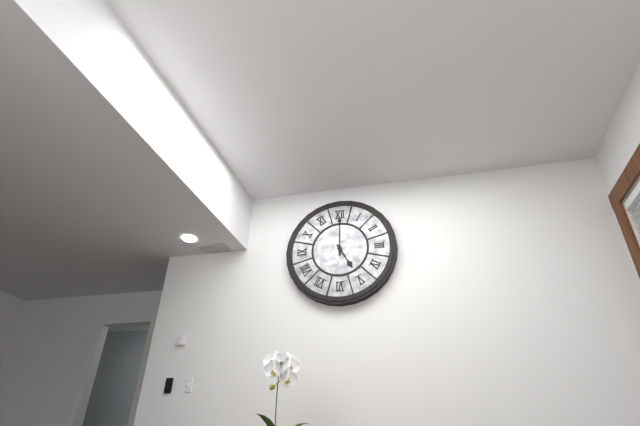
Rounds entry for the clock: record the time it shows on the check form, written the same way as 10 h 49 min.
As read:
5 h 00 min
